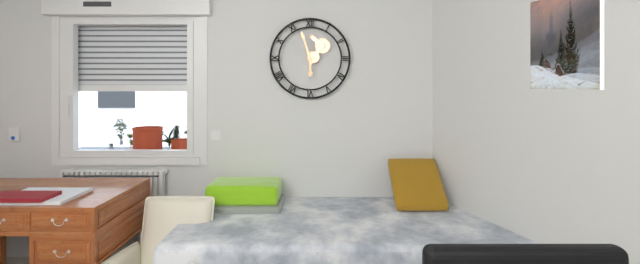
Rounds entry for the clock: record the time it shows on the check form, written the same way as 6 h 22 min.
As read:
5 h 57 min
